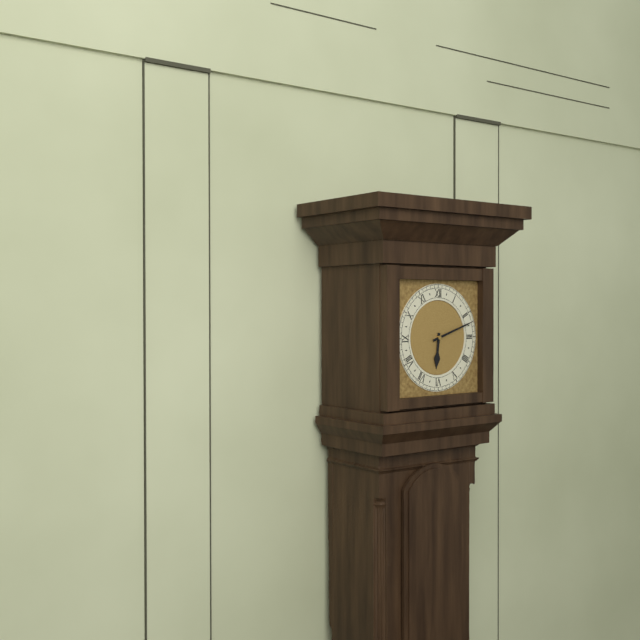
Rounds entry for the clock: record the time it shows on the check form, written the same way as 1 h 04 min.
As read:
6 h 12 min
